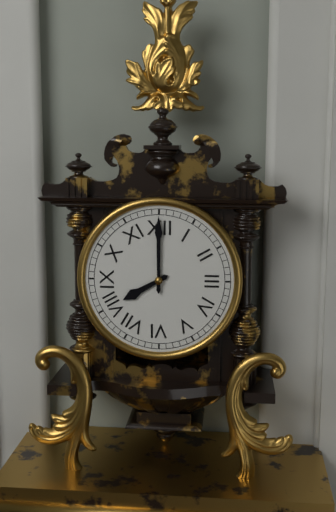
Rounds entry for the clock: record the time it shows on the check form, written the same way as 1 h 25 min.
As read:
8 h 00 min
